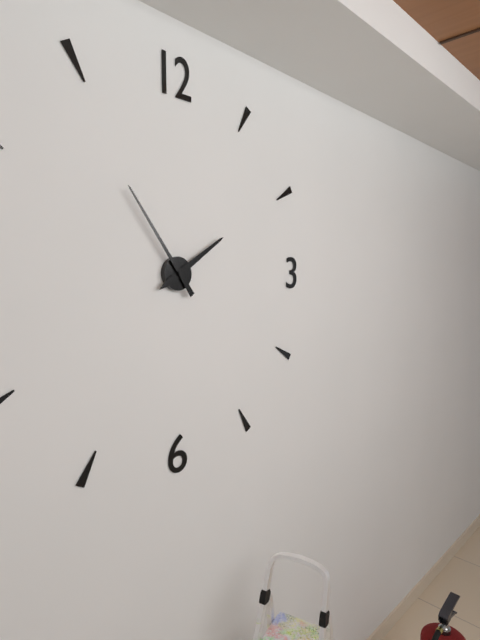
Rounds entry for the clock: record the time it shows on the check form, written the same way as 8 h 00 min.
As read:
1 h 54 min
